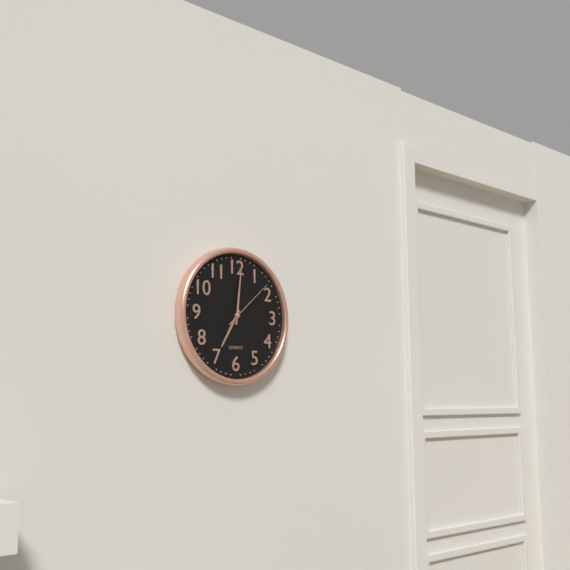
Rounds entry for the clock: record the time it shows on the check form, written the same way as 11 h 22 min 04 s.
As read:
7 h 01 min 08 s
